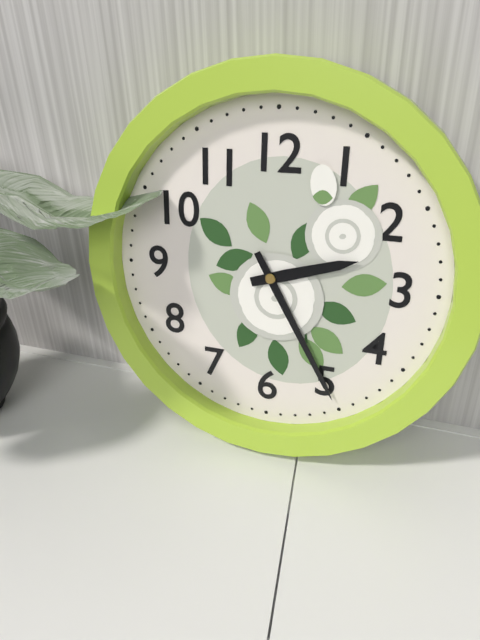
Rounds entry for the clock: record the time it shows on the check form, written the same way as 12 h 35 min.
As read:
2 h 25 min
